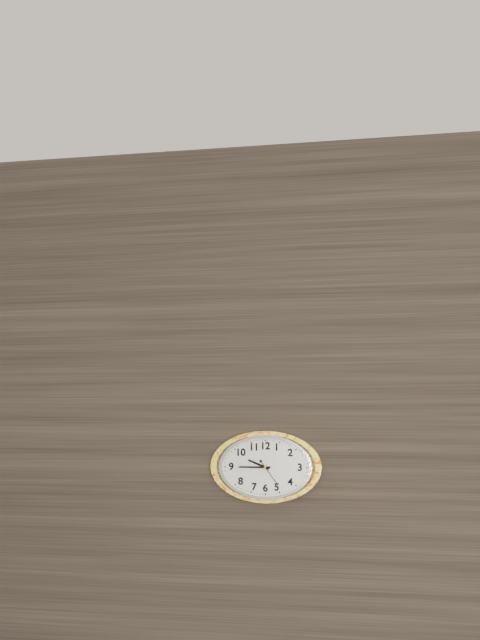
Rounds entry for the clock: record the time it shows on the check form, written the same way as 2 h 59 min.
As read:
9 h 45 min
